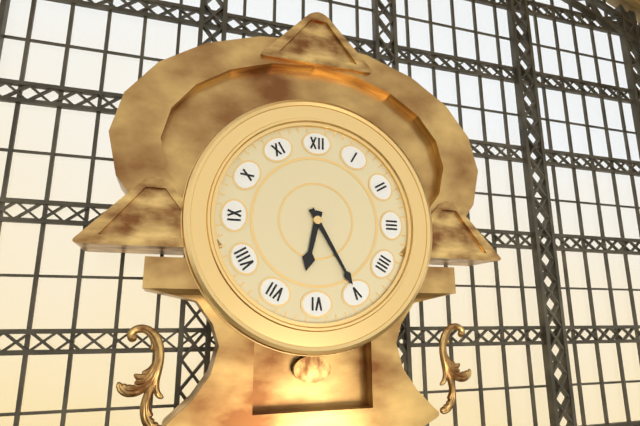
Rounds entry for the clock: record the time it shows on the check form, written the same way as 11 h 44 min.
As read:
6 h 25 min
